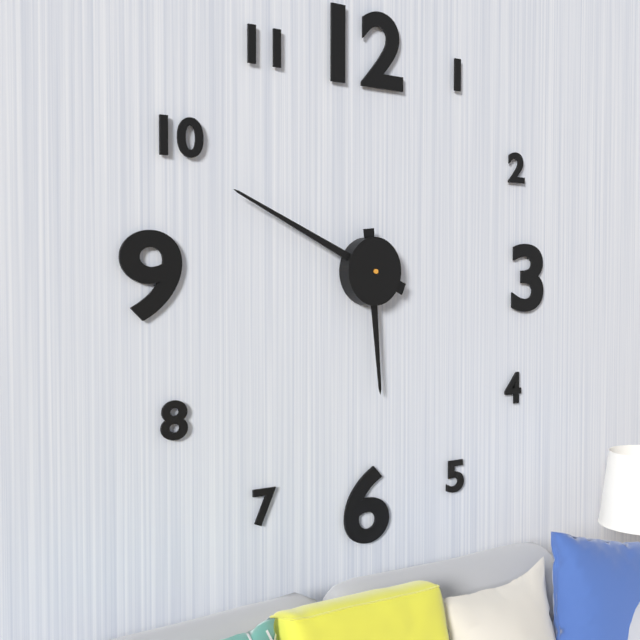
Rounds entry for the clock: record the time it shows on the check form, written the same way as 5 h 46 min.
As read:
5 h 49 min
